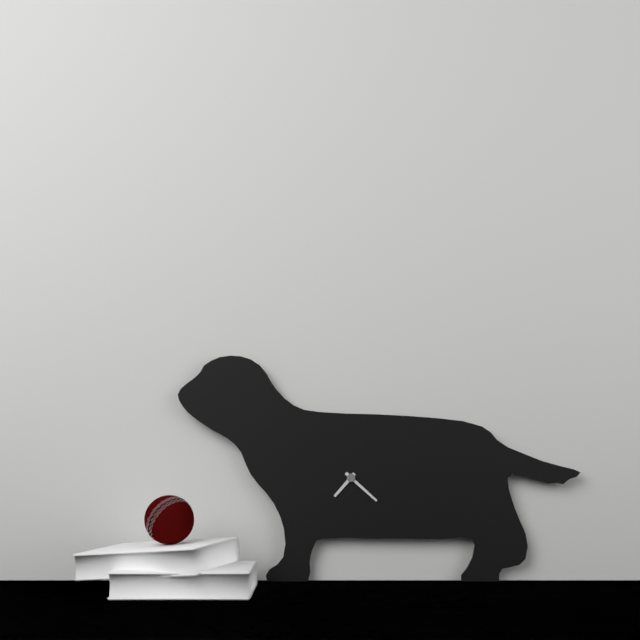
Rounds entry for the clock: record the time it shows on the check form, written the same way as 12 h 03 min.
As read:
7 h 22 min
